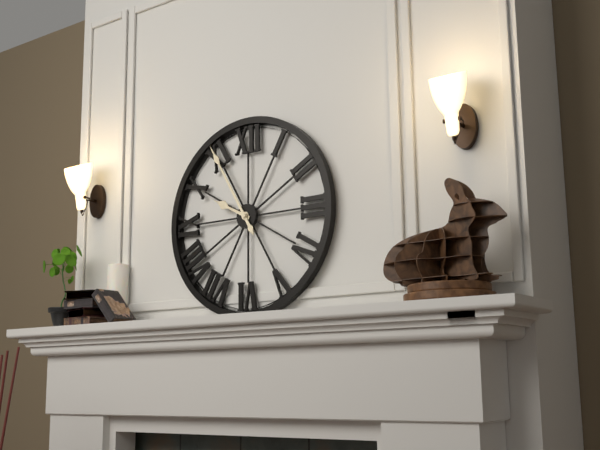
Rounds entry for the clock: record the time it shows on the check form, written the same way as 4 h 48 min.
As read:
9 h 55 min
